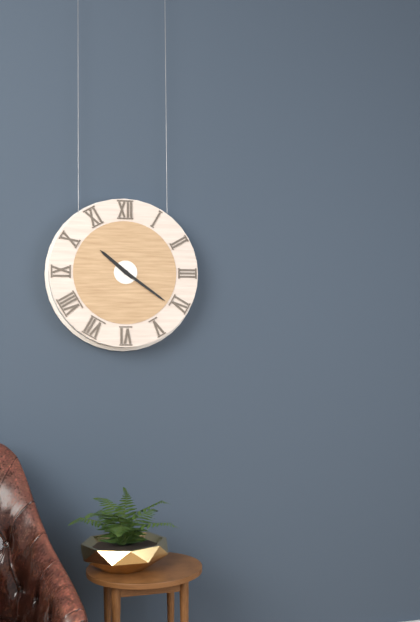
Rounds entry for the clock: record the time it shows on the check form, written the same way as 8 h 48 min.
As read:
10 h 21 min
